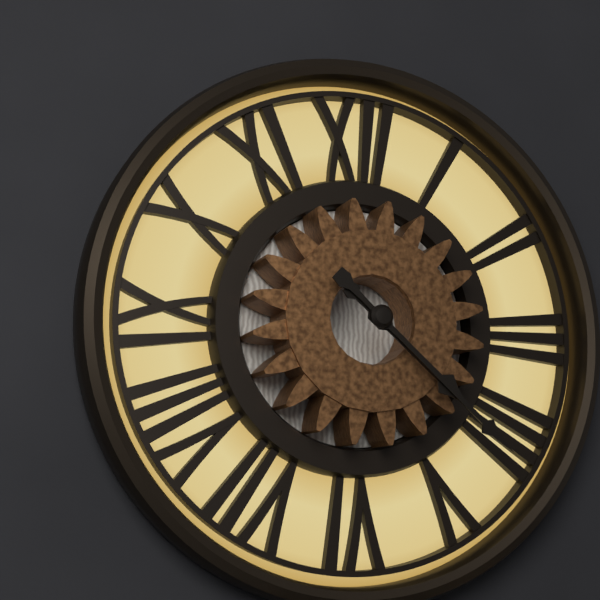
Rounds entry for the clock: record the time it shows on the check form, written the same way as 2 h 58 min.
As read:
4 h 22 min
